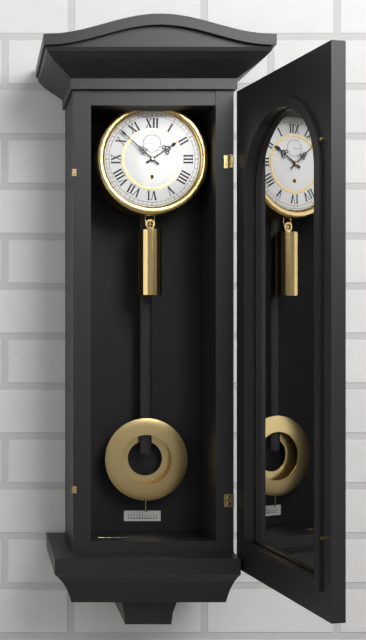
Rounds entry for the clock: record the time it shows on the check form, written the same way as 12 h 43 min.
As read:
1 h 52 min
